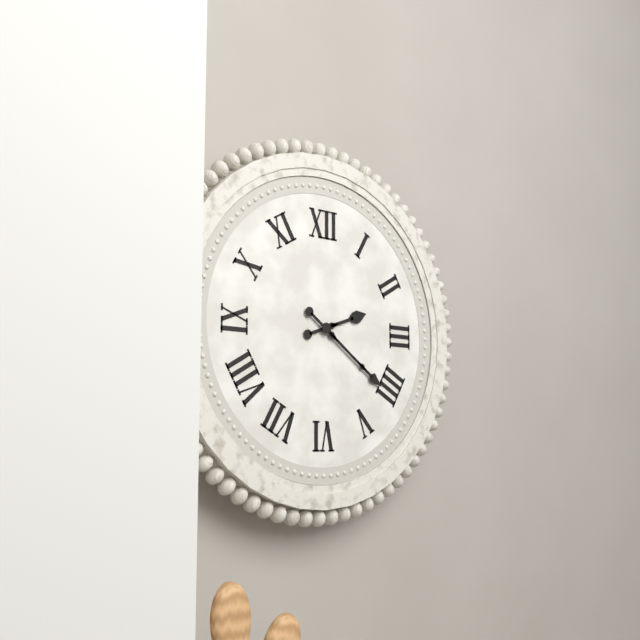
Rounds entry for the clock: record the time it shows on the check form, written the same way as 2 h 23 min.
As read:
2 h 21 min
